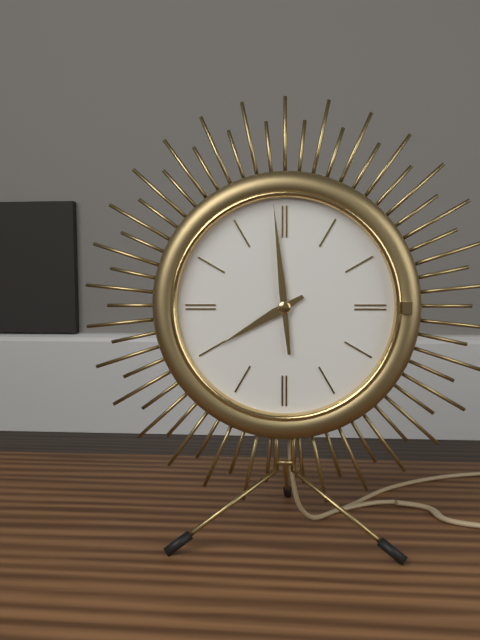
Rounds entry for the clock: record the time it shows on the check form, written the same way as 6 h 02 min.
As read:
7 h 59 min
